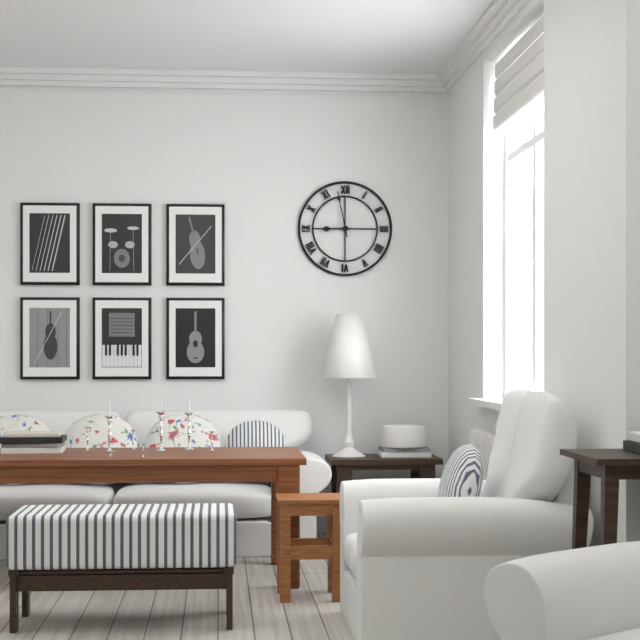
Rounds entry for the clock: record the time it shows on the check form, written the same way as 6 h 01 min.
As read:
8 h 58 min
